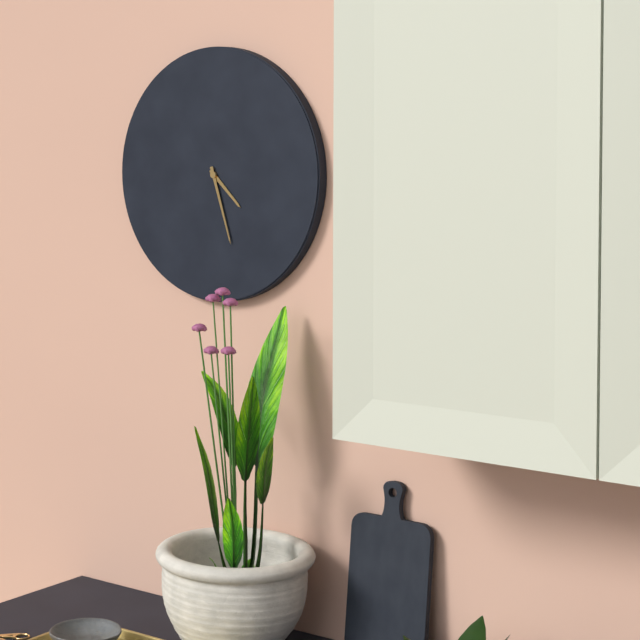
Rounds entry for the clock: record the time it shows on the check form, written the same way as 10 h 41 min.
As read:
4 h 27 min
